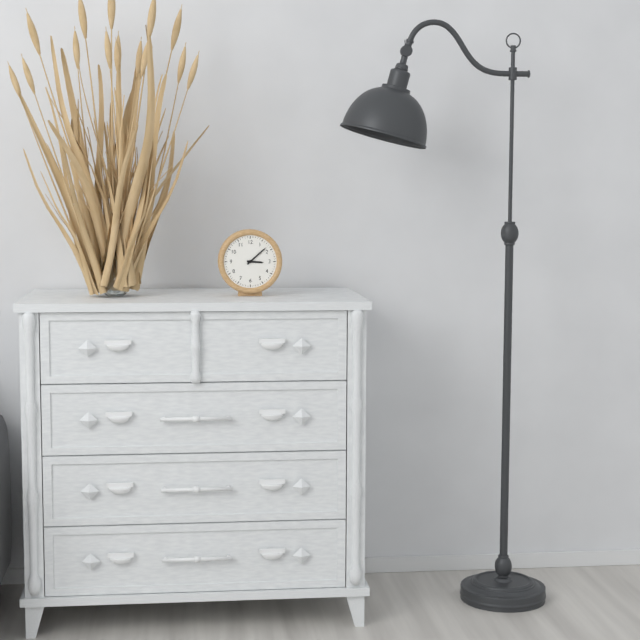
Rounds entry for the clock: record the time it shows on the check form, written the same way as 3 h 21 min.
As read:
3 h 08 min
